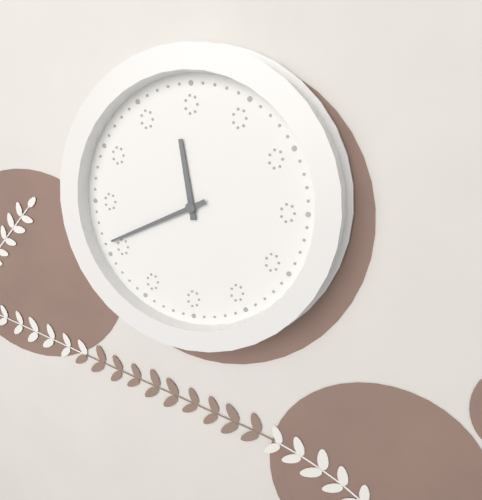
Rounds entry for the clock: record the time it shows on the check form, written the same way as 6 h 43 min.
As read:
11 h 41 min
